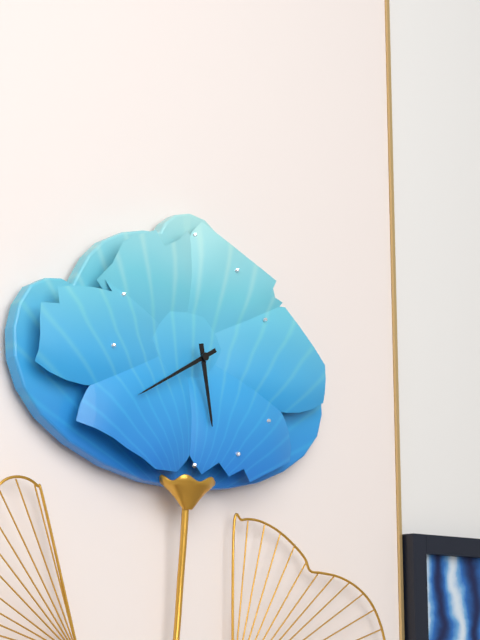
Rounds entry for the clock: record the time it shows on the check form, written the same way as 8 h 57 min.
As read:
5 h 40 min
